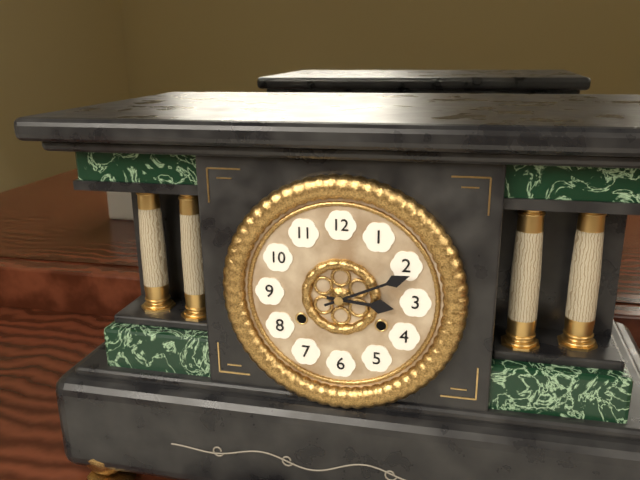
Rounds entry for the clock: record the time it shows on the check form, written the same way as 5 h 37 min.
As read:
3 h 11 min
